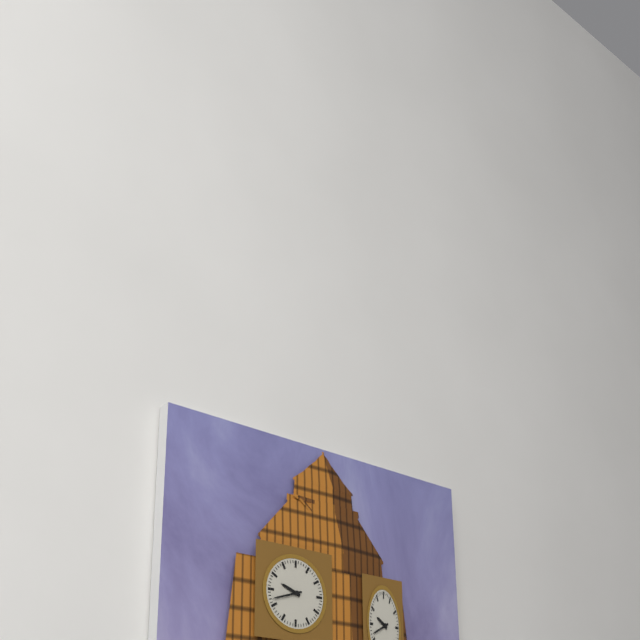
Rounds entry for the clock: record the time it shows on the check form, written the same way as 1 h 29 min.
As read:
9 h 42 min
